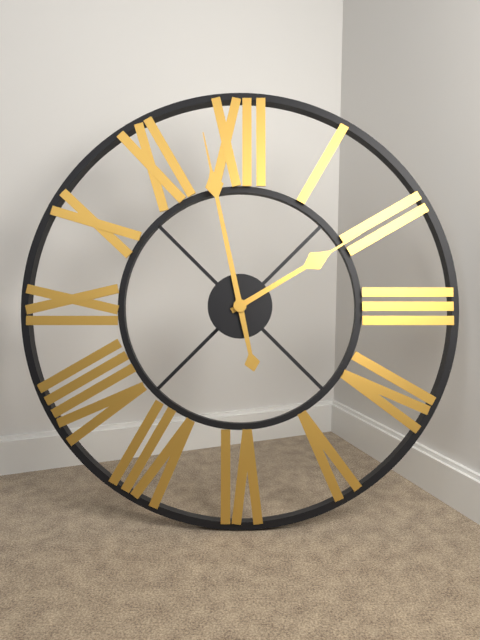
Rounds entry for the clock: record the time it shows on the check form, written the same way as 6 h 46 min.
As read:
1 h 58 min
